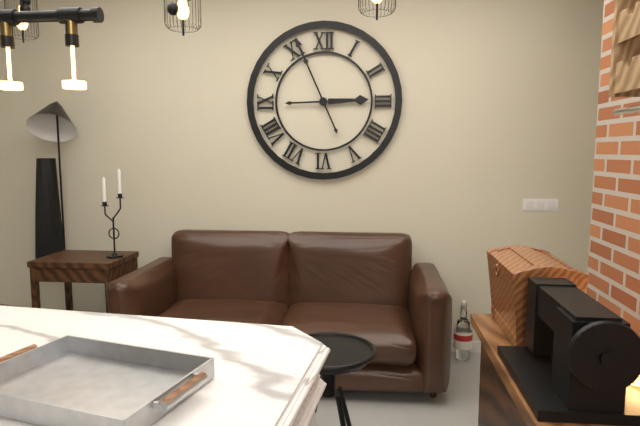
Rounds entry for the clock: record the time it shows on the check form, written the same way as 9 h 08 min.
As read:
2 h 56 min
